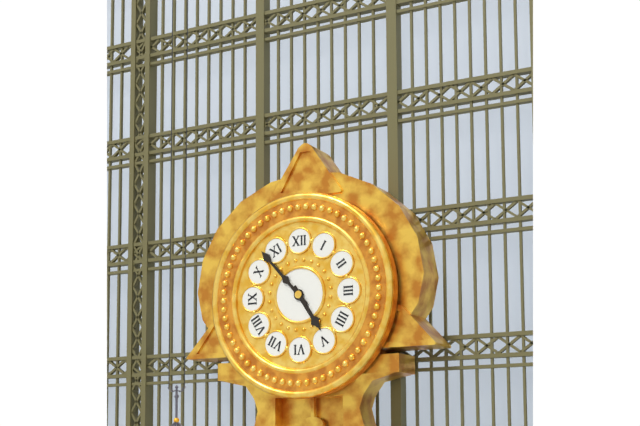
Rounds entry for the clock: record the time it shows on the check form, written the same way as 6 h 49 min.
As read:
4 h 53 min
